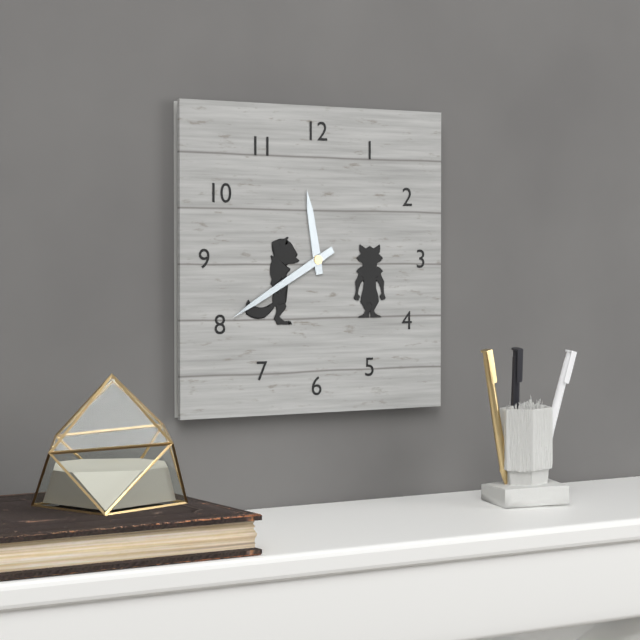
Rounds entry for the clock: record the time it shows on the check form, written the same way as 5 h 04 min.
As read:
11 h 40 min
